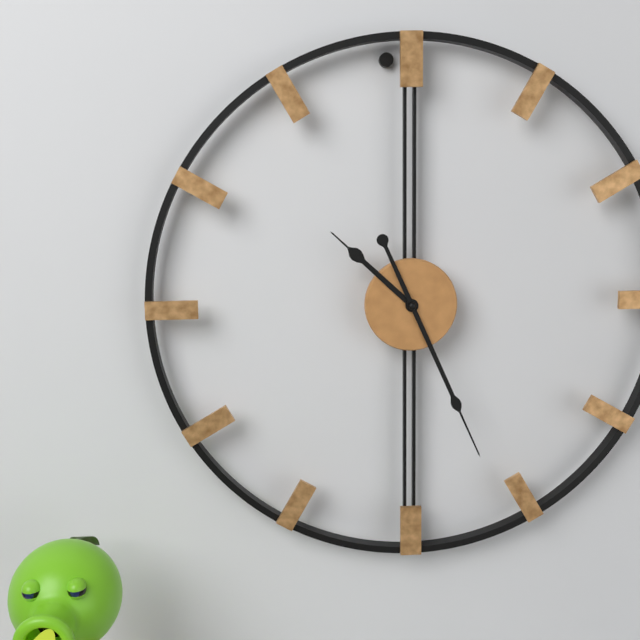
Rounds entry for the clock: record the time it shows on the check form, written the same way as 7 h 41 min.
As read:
10 h 26 min
